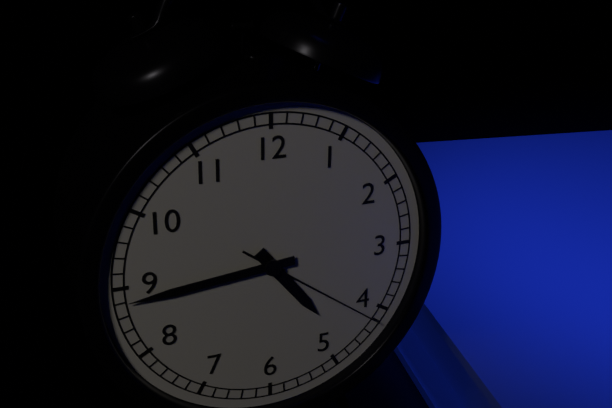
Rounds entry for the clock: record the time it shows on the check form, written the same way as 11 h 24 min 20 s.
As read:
4 h 44 min 21 s
